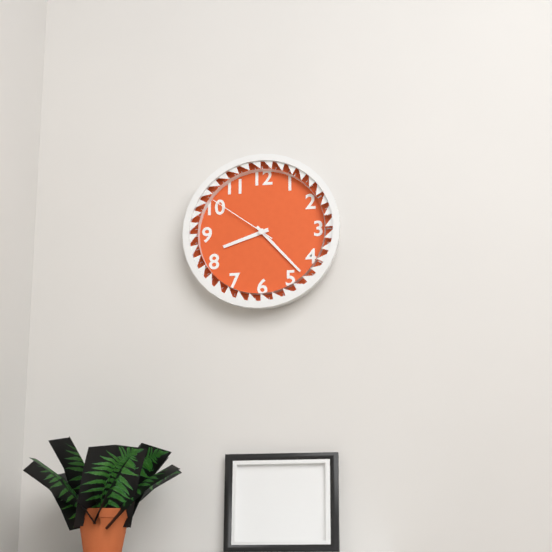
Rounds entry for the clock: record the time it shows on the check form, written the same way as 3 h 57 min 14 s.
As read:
8 h 23 min 51 s
